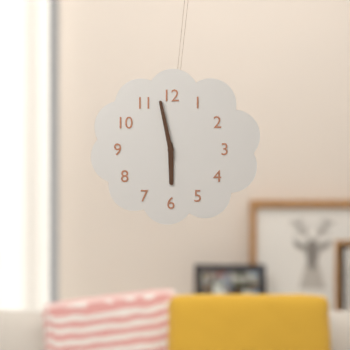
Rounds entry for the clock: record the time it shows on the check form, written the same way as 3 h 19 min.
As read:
5 h 58 min
